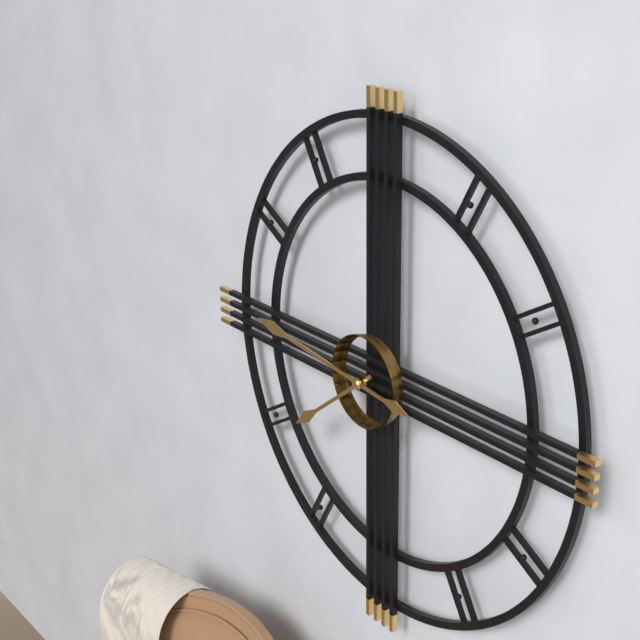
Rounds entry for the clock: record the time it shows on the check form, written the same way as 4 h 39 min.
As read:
7 h 46 min
